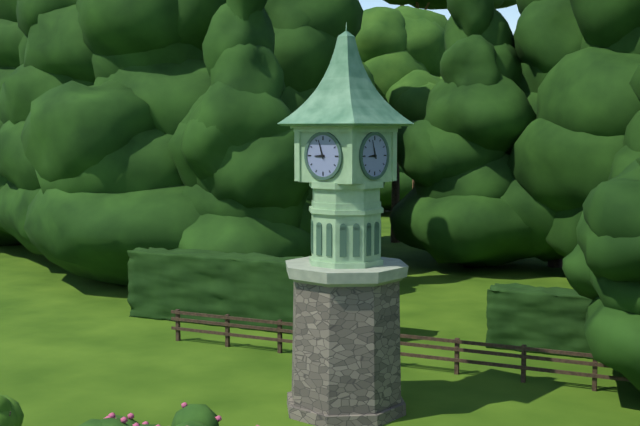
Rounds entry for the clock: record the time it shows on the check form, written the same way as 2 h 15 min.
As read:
8 h 57 min
